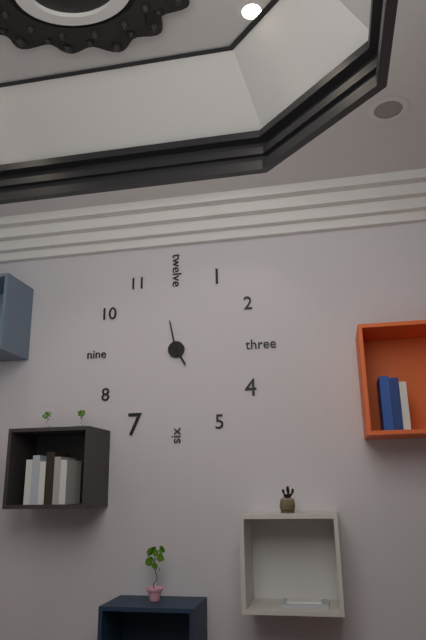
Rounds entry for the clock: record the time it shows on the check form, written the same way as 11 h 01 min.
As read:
4 h 58 min
